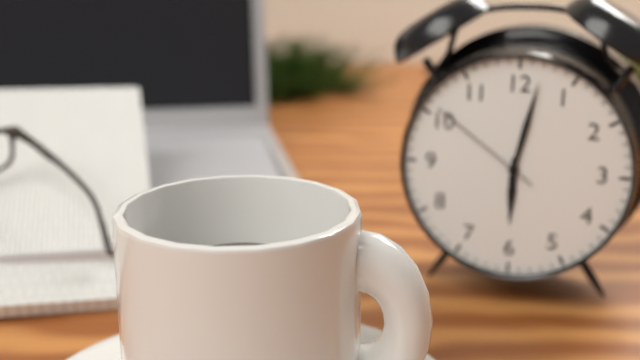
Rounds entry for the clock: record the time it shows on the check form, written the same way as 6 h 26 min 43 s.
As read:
6 h 02 min 51 s
